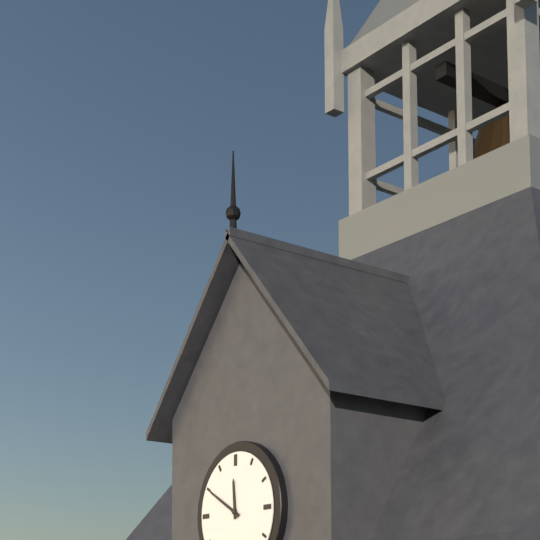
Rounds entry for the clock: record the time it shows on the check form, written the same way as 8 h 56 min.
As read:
11 h 50 min
